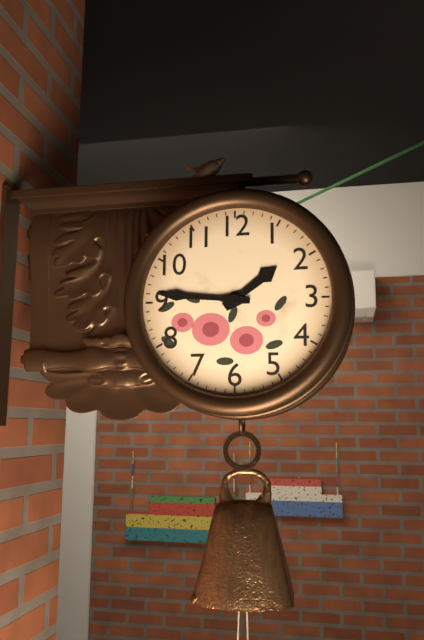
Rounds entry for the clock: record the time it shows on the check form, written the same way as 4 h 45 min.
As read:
1 h 46 min
